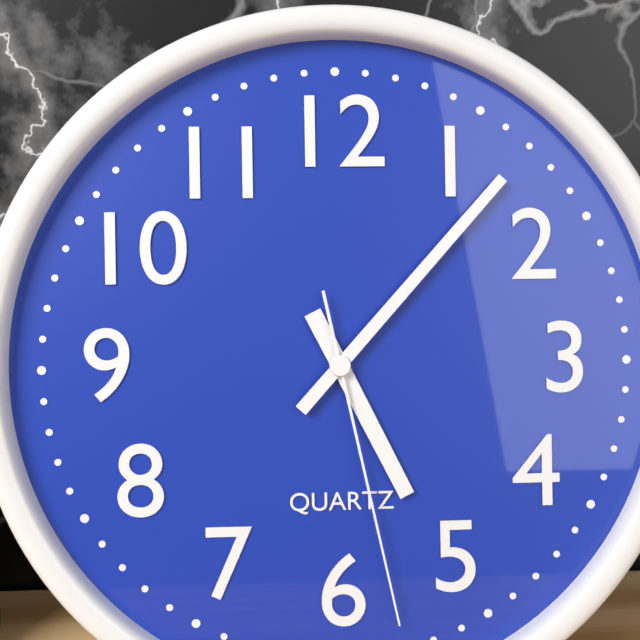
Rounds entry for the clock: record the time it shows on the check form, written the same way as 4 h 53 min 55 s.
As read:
5 h 07 min 28 s
